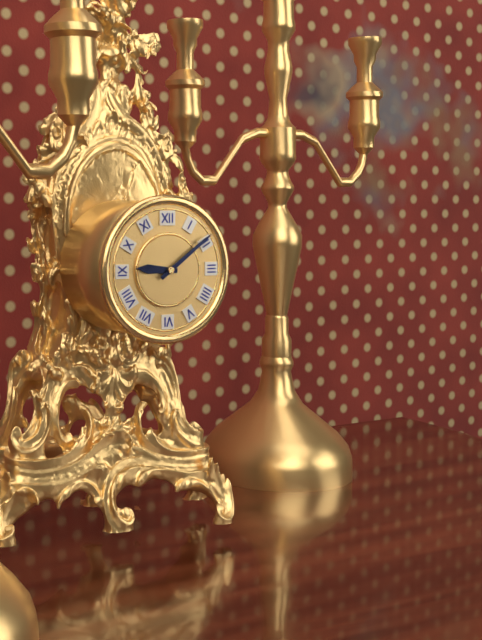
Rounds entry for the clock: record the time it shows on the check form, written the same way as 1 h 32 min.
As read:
9 h 09 min
